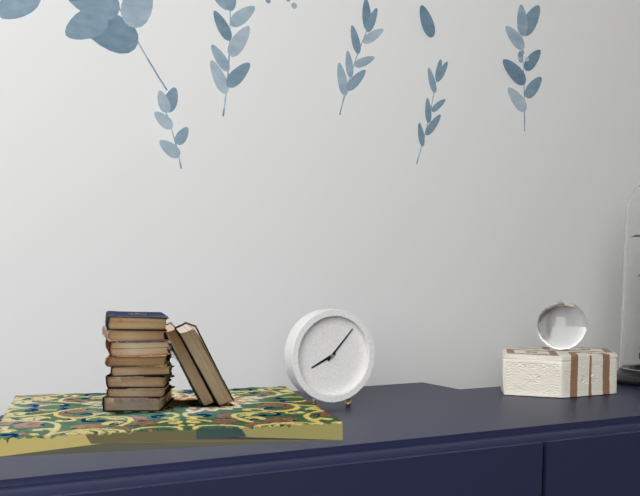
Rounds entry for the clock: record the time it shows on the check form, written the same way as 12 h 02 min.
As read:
8 h 07 min
